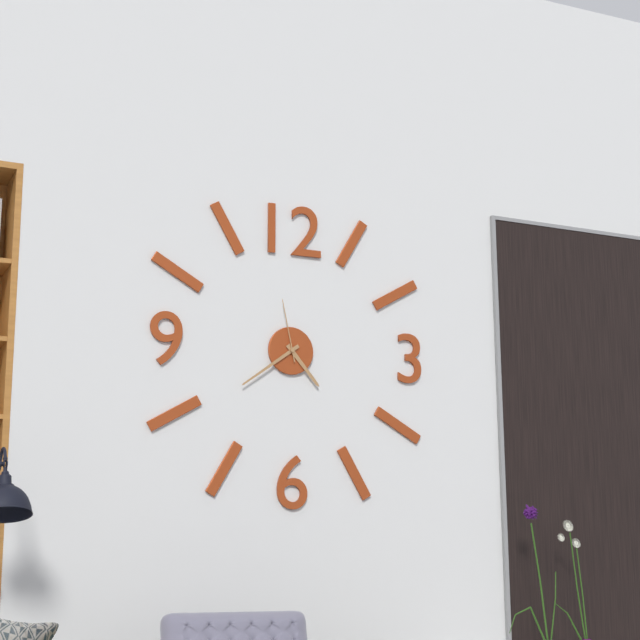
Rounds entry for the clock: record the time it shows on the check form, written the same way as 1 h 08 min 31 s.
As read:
4 h 39 min 58 s
